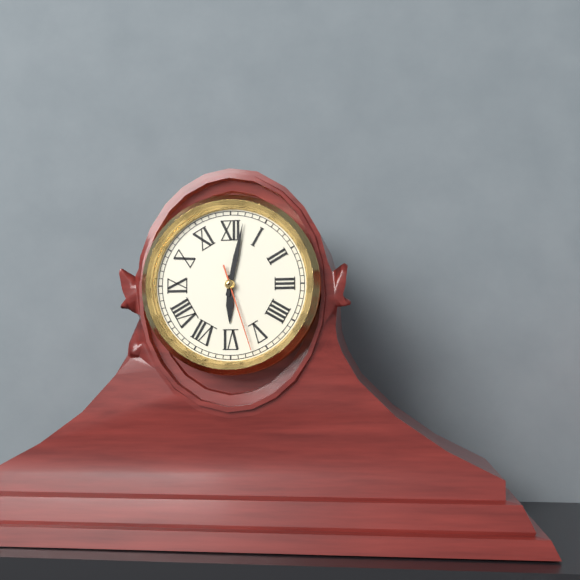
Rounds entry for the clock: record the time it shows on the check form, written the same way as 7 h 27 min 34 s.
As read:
6 h 02 min 27 s
